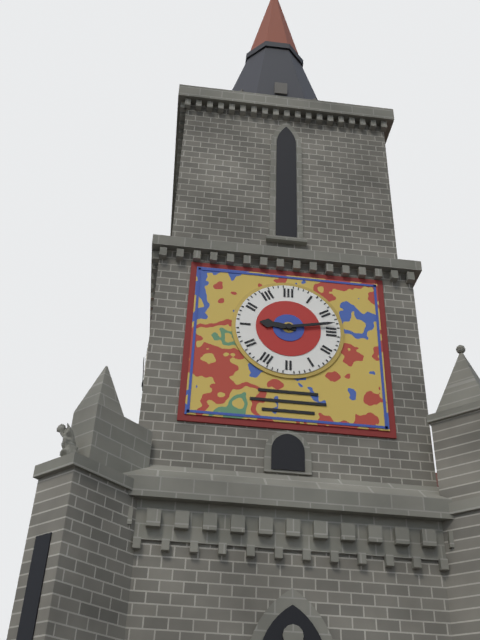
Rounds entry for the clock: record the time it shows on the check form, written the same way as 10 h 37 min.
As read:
9 h 13 min
